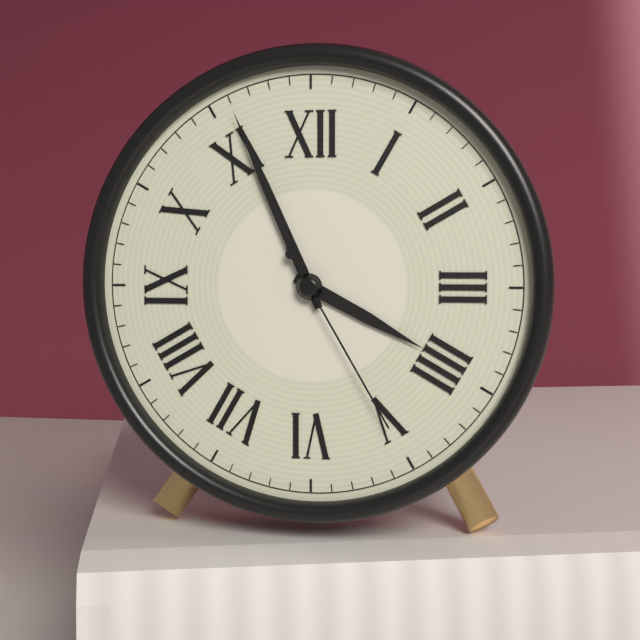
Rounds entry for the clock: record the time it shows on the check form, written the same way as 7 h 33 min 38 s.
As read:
3 h 56 min 25 s
